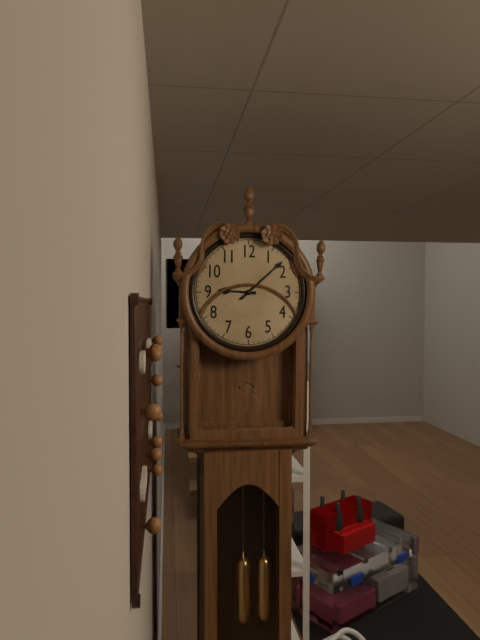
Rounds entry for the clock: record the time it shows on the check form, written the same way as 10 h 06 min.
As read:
9 h 08 min
